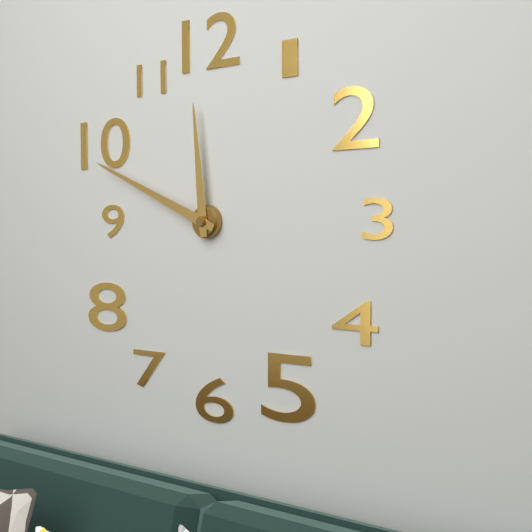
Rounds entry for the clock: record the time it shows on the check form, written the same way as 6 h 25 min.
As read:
11 h 49 min
